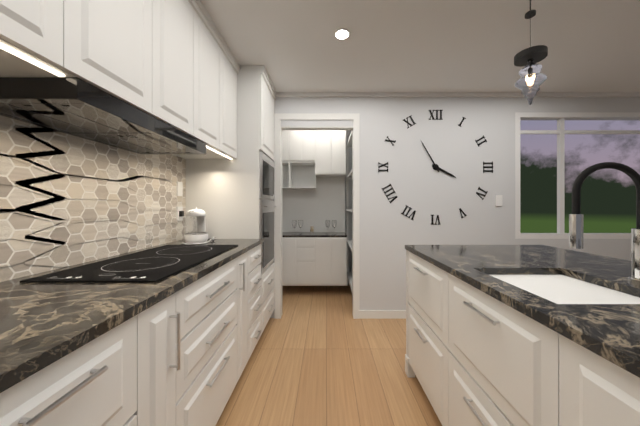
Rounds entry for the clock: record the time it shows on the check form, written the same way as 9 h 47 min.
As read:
3 h 55 min
